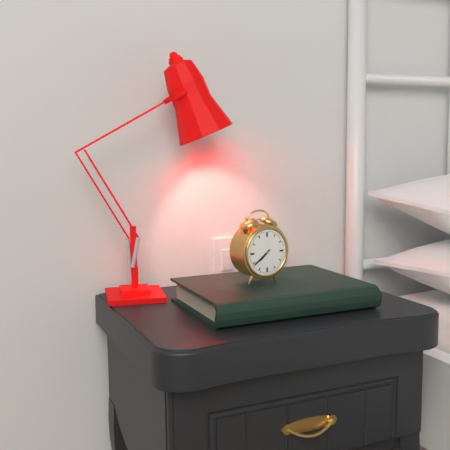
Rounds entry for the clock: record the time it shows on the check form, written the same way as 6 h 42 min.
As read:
7 h 39 min
